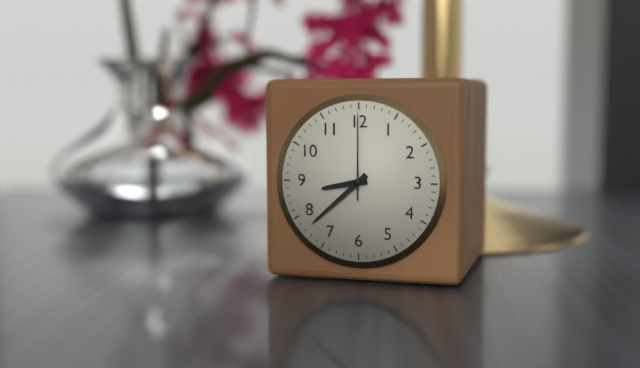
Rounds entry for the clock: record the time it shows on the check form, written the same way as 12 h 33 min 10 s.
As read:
8 h 38 min 00 s
